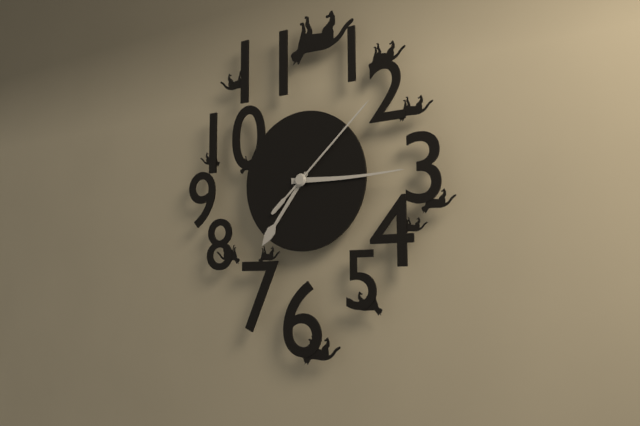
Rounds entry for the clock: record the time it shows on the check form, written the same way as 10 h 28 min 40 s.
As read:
7 h 15 min 08 s
